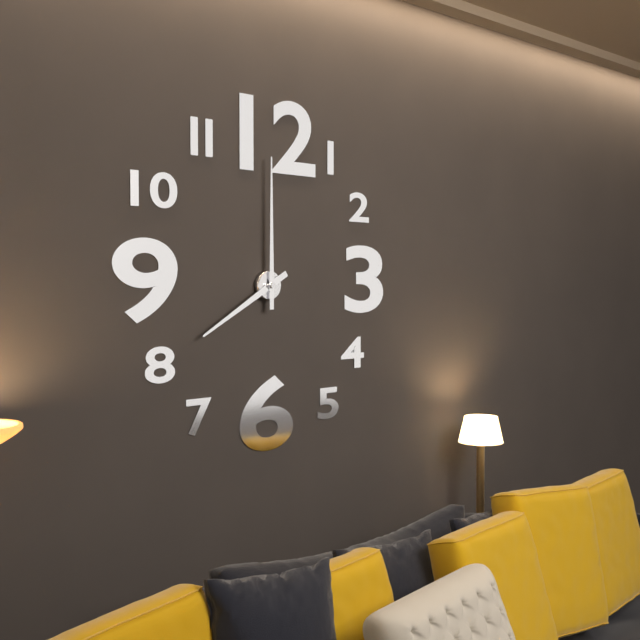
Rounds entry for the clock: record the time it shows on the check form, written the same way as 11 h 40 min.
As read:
8 h 00 min
